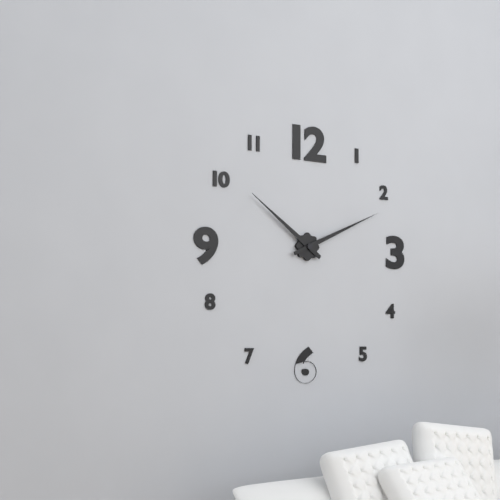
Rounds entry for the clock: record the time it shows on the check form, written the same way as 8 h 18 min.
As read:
10 h 11 min
